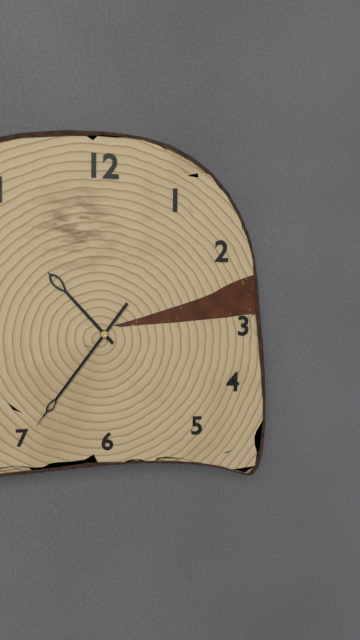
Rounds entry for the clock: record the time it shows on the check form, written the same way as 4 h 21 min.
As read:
10 h 36 min
